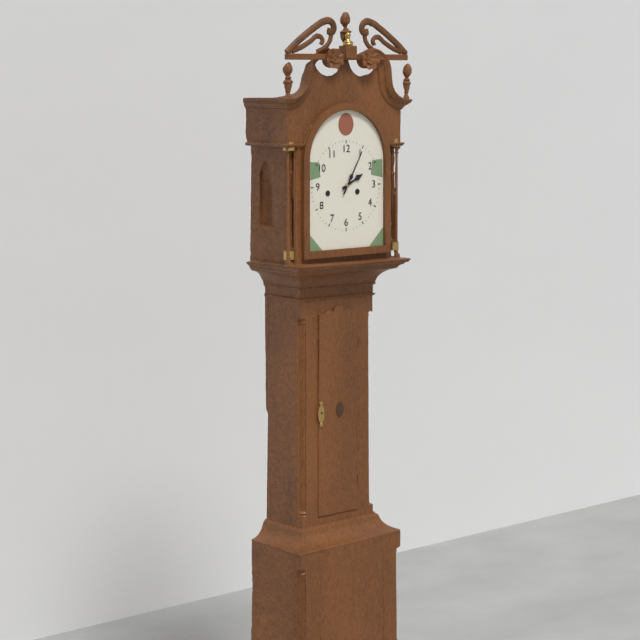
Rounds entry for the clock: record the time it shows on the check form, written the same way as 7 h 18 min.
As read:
2 h 05 min
